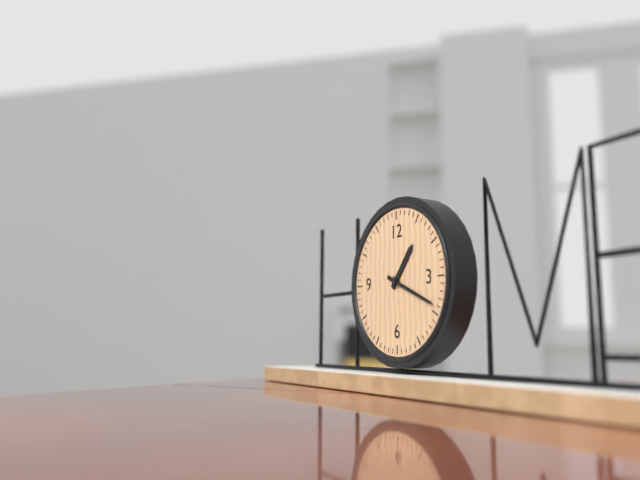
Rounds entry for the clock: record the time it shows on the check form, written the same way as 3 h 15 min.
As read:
1 h 19 min
